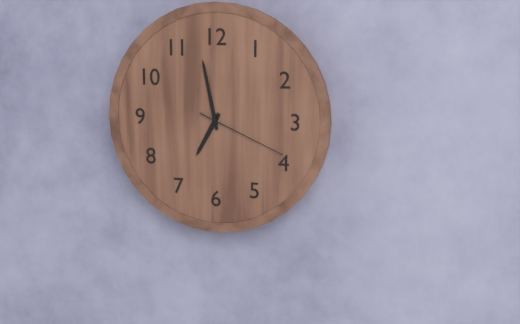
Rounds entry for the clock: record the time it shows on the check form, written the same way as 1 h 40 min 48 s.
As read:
6 h 58 min 19 s
